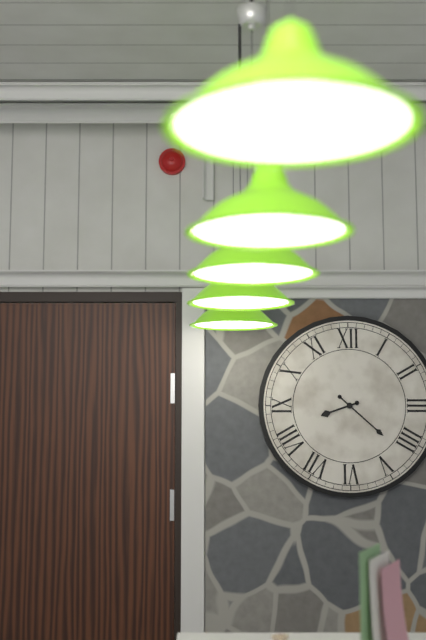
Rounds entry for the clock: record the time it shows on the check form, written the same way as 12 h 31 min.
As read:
8 h 22 min
